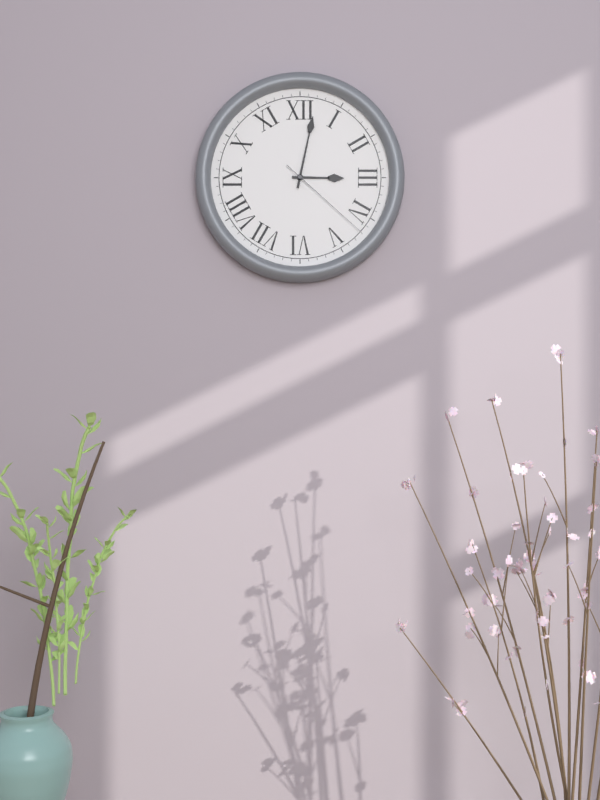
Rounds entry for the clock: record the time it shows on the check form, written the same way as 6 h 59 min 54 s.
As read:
3 h 02 min 22 s
